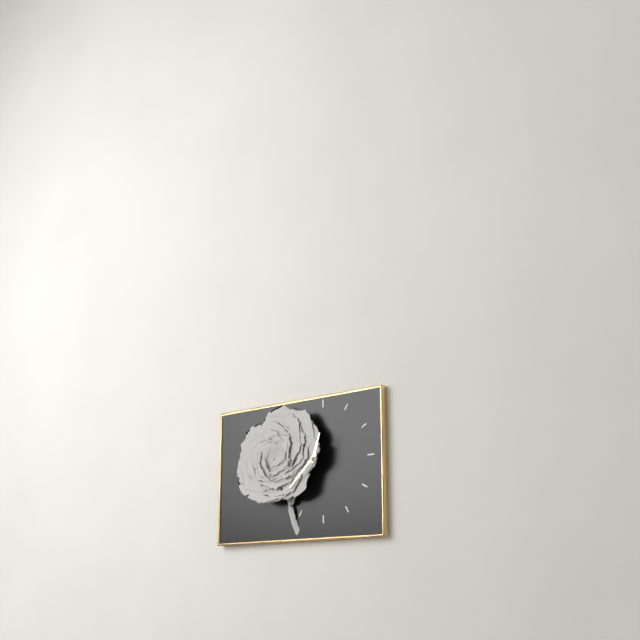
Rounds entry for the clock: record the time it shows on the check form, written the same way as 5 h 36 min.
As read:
12 h 38 min
